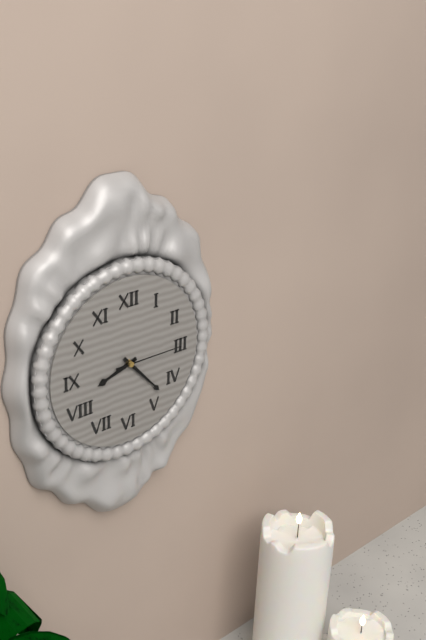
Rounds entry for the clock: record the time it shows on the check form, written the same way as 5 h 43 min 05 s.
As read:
8 h 23 min 15 s
